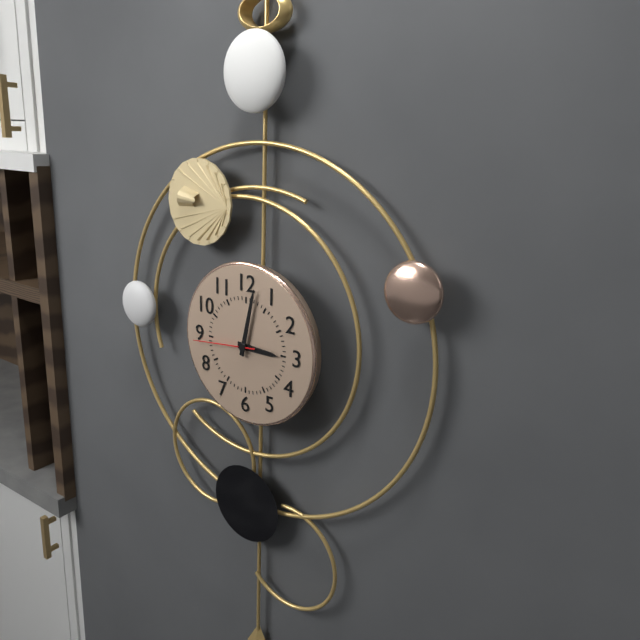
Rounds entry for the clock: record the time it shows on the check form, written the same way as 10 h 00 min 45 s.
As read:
3 h 02 min 44 s
